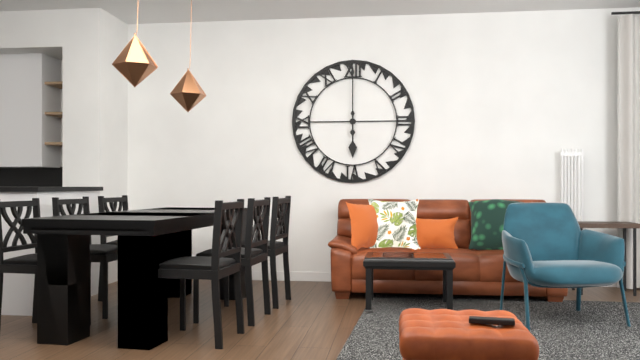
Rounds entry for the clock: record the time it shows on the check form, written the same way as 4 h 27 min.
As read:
6 h 00 min
